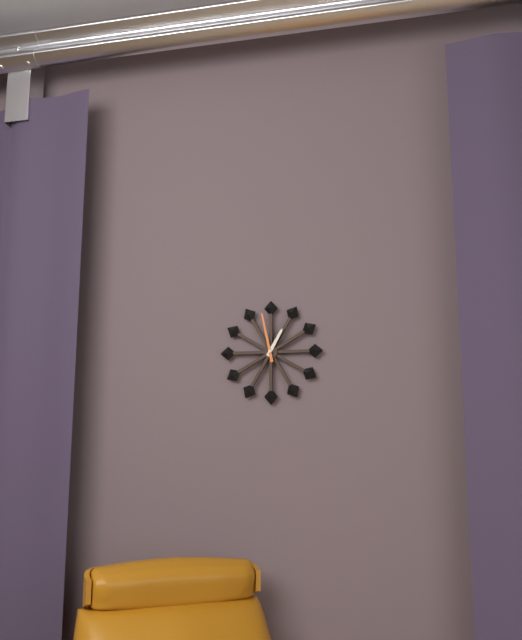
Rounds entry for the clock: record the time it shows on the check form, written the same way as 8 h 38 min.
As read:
12 h 58 min
